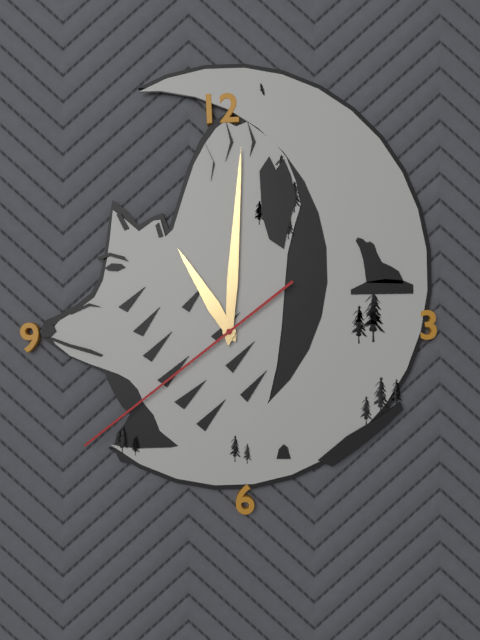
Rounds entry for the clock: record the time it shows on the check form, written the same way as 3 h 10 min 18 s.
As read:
11 h 01 min 39 s
